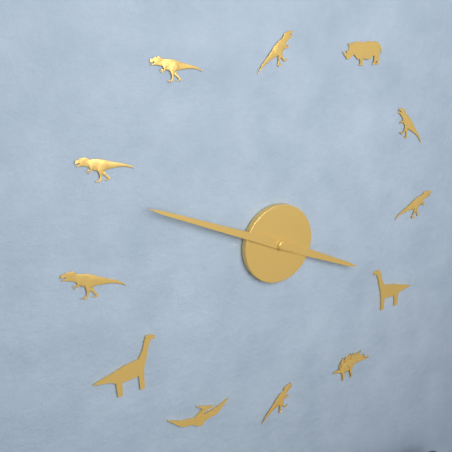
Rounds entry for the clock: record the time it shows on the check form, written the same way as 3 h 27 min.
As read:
3 h 49 min
